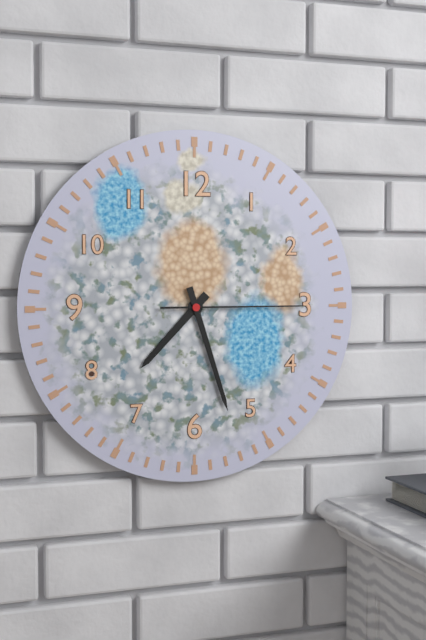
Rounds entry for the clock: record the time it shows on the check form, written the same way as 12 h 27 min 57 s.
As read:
7 h 27 min 15 s
